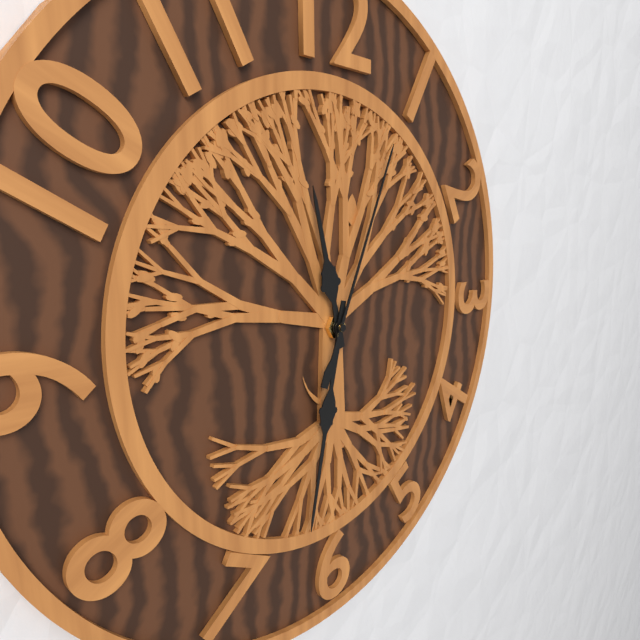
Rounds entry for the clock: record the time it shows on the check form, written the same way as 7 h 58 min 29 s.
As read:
11 h 32 min 04 s
